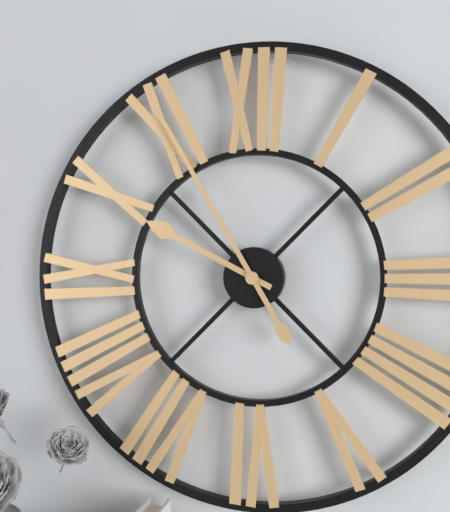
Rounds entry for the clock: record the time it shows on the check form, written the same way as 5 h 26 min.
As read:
9 h 55 min
